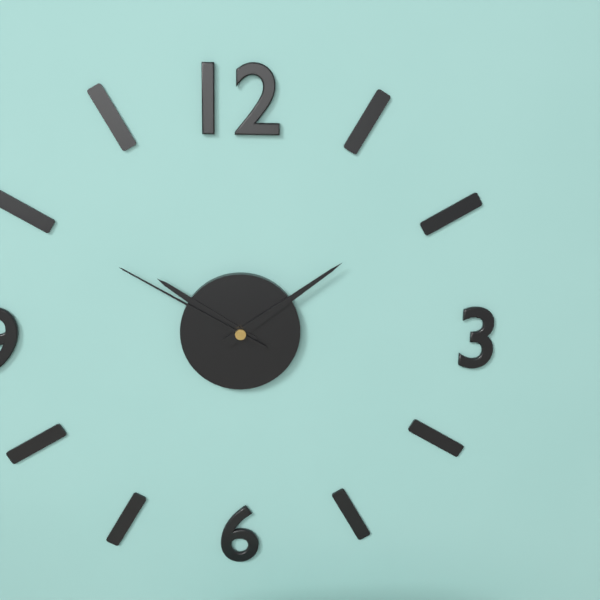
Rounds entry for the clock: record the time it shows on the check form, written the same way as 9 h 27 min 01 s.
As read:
10 h 09 min 50 s
